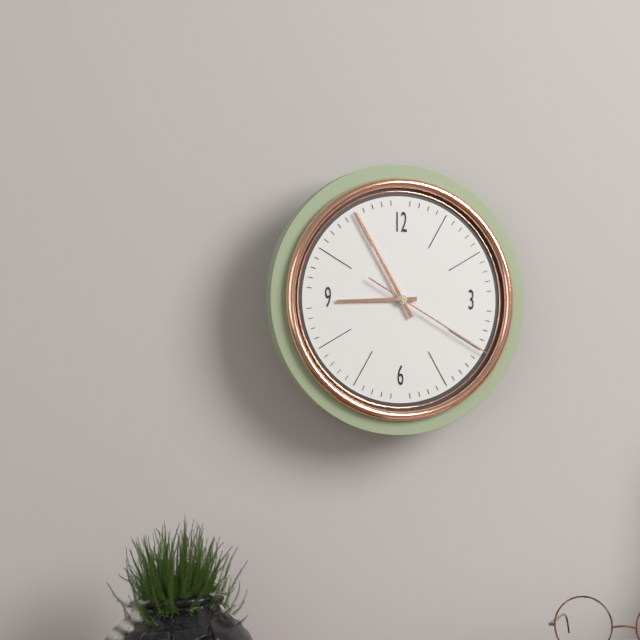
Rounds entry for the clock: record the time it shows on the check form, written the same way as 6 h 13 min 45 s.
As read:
8 h 55 min 20 s
